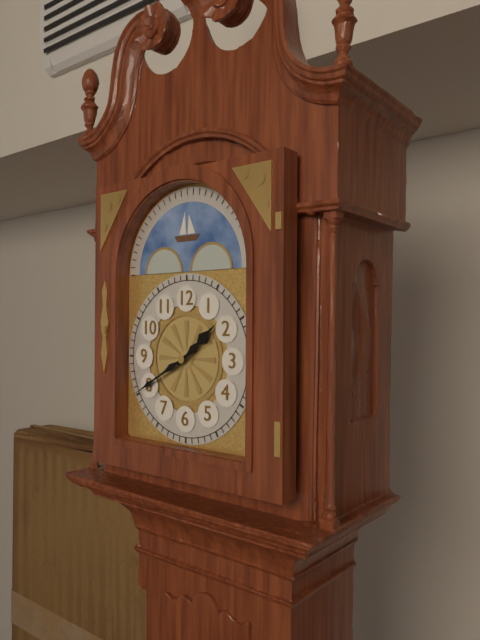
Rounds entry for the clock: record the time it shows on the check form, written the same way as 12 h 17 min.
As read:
1 h 40 min
